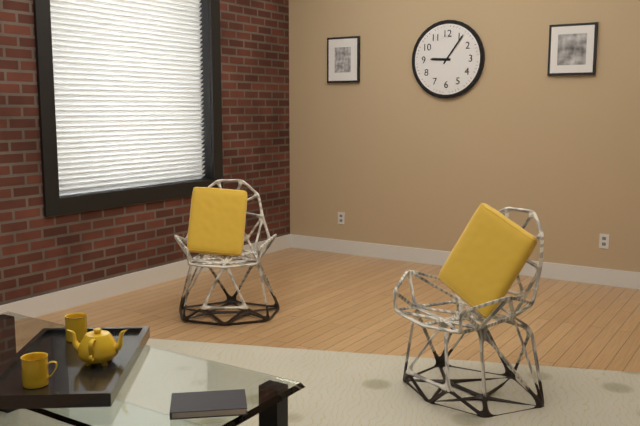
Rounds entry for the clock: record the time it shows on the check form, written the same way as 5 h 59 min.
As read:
9 h 06 min
